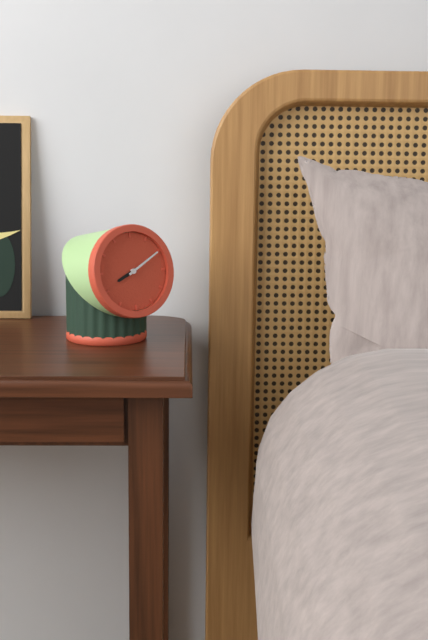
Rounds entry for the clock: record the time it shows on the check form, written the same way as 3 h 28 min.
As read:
8 h 10 min
